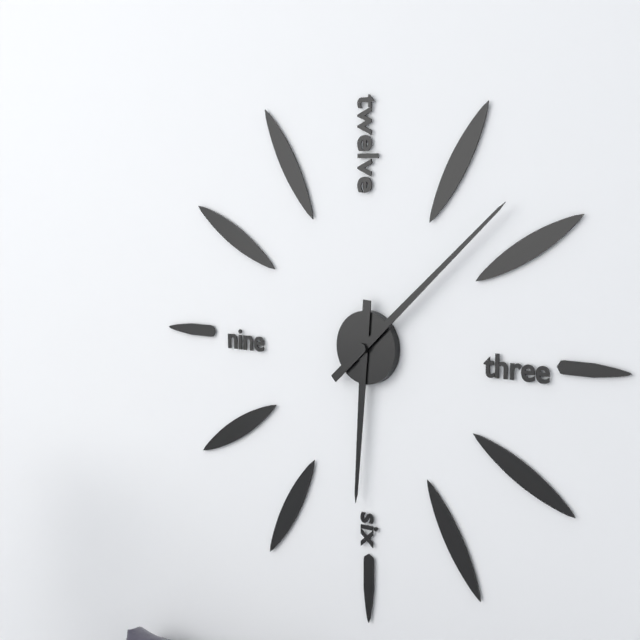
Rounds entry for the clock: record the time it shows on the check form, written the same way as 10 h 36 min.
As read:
6 h 08 min
